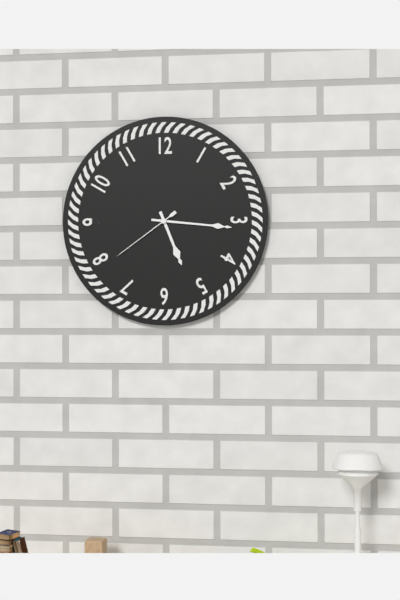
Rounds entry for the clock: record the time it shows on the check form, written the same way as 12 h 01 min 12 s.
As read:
5 h 16 min 39 s
